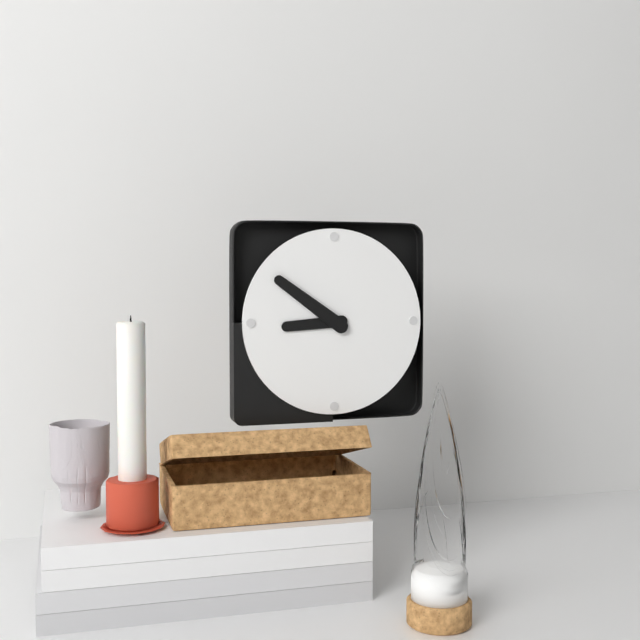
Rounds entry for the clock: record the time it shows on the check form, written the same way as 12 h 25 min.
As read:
8 h 51 min
